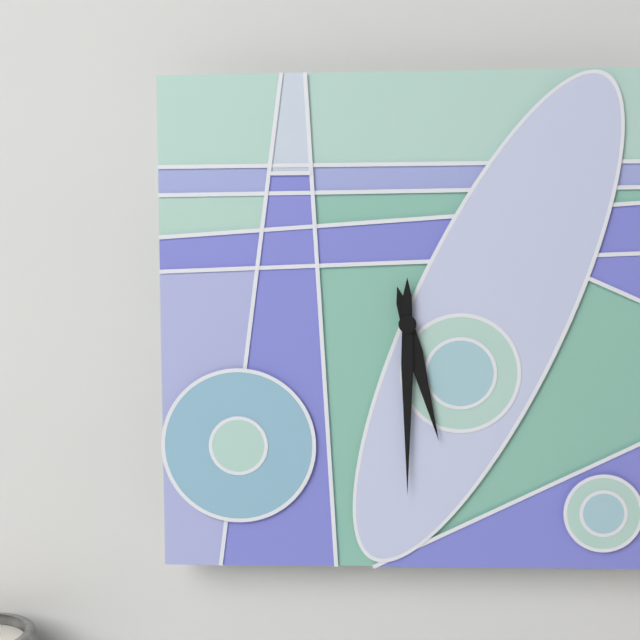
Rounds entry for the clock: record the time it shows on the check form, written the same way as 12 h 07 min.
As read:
5 h 30 min
